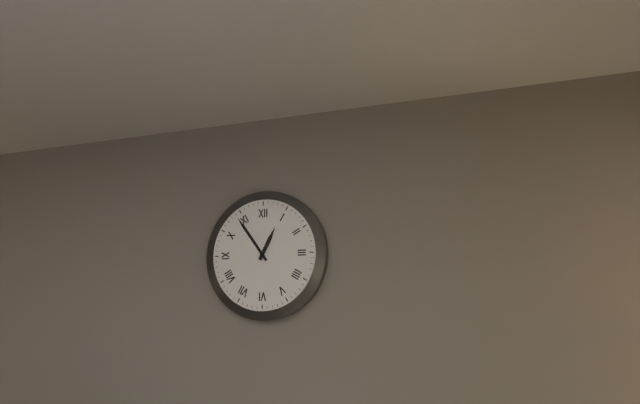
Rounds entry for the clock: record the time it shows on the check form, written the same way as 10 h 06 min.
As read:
12 h 54 min
